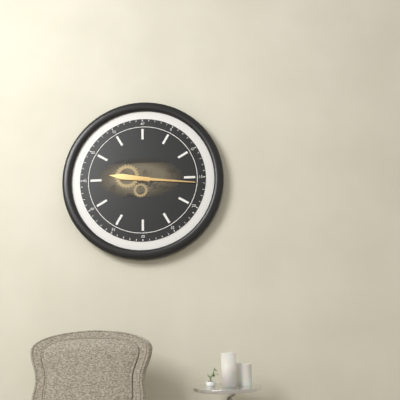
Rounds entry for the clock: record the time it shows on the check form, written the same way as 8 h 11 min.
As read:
9 h 16 min
